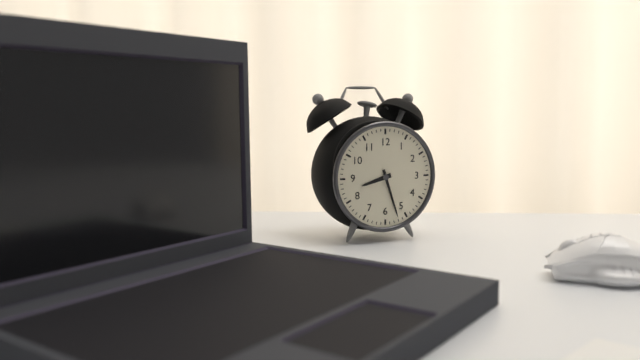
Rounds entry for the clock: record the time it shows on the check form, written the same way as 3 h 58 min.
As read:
8 h 27 min
